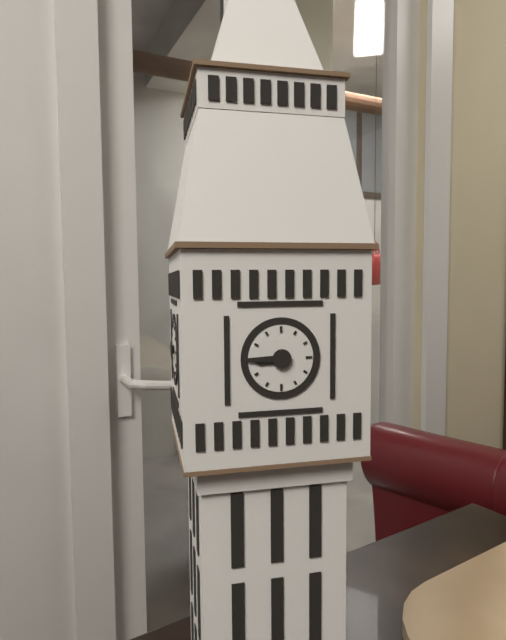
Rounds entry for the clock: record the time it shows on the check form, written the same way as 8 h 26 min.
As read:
8 h 45 min
